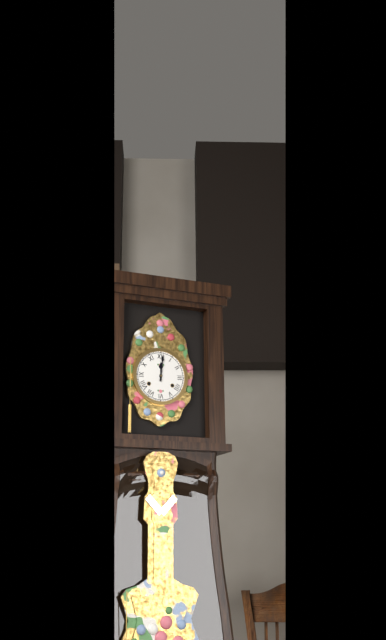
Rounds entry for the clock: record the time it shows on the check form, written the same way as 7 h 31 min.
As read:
12 h 01 min
